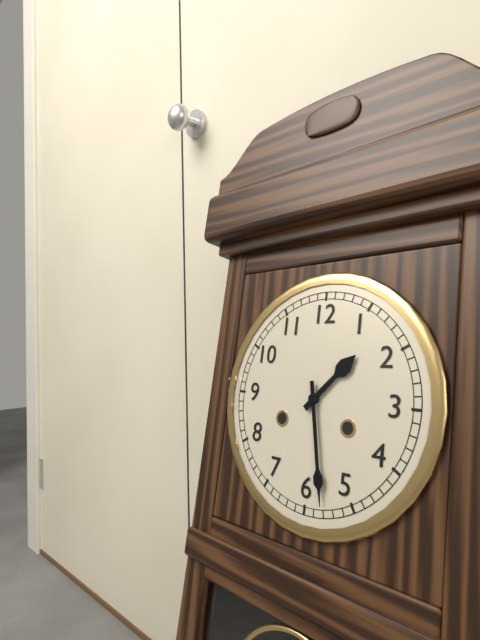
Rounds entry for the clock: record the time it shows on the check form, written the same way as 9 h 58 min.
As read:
1 h 28 min
